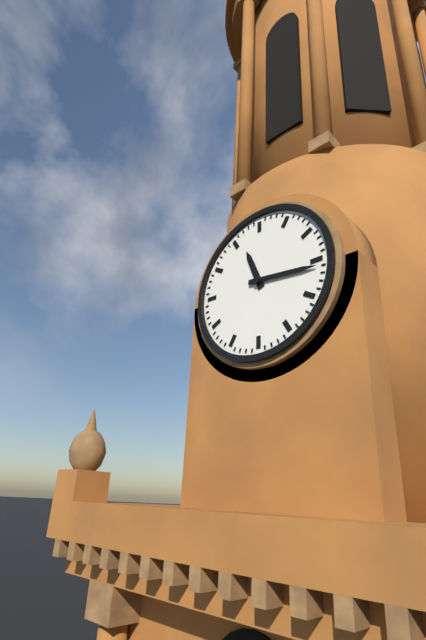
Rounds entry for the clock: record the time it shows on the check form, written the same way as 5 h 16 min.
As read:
11 h 16 min
